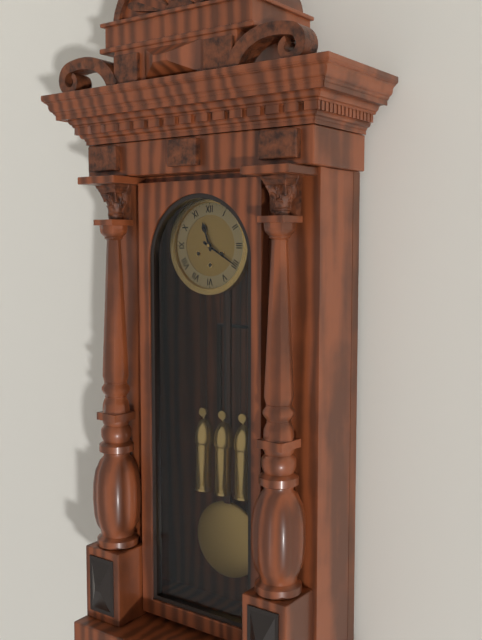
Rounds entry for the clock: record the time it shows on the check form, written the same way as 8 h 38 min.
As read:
11 h 20 min
